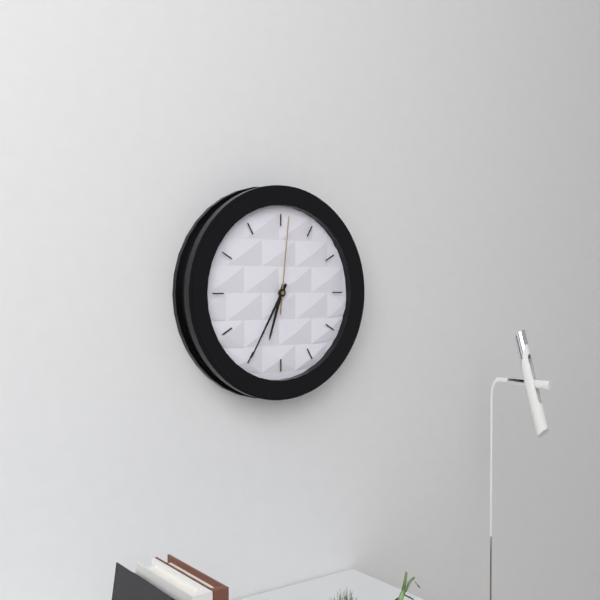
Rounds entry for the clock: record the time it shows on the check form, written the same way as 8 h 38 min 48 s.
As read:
6 h 35 min 01 s
